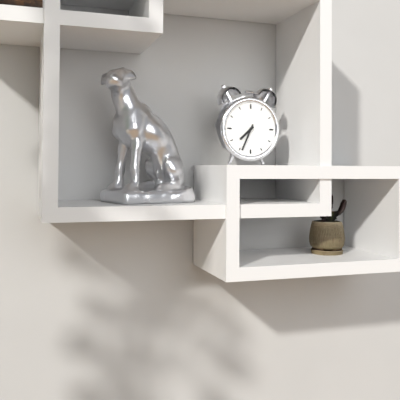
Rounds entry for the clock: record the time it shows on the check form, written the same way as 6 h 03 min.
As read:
7 h 34 min
